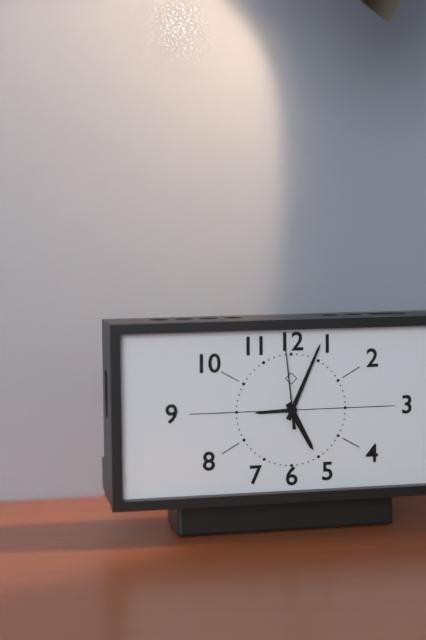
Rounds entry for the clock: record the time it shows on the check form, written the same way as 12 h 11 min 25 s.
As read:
5 h 04 min 59 s
